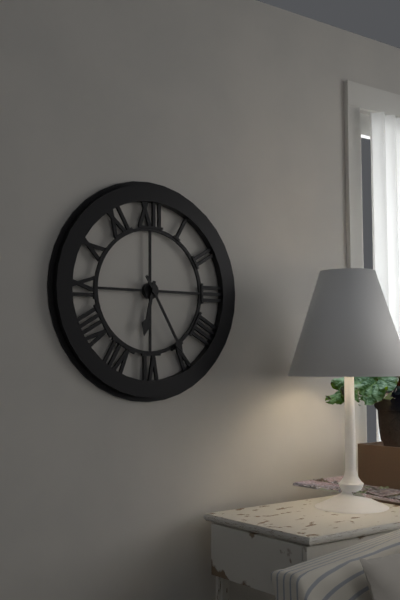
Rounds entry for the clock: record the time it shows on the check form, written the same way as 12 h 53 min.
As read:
6 h 25 min
